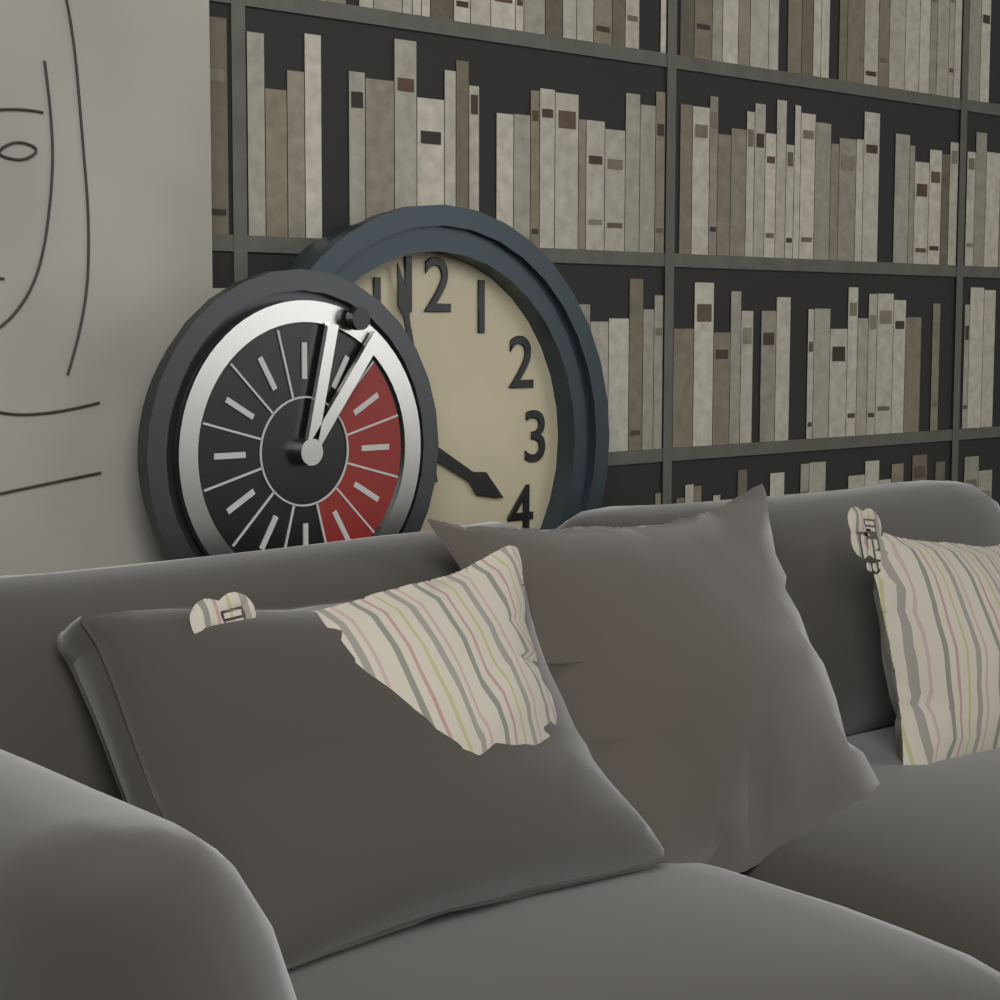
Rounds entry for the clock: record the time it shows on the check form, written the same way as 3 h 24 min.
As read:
3 h 58 min
